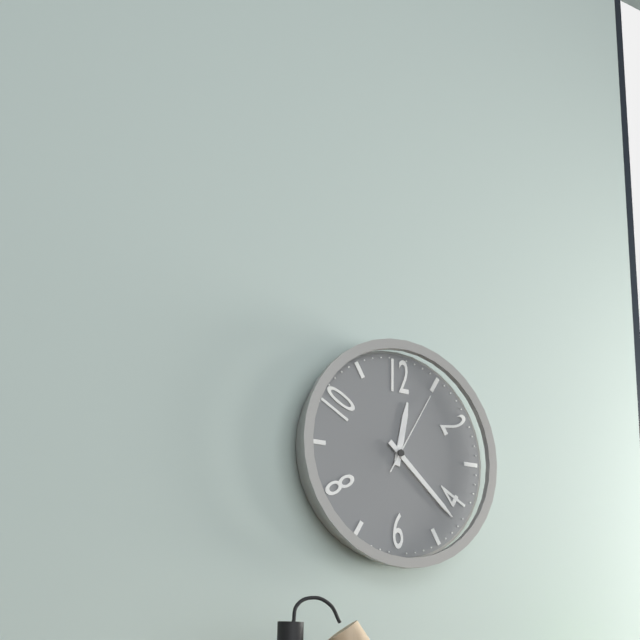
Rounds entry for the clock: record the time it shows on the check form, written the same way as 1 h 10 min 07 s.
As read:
12 h 22 min 05 s
